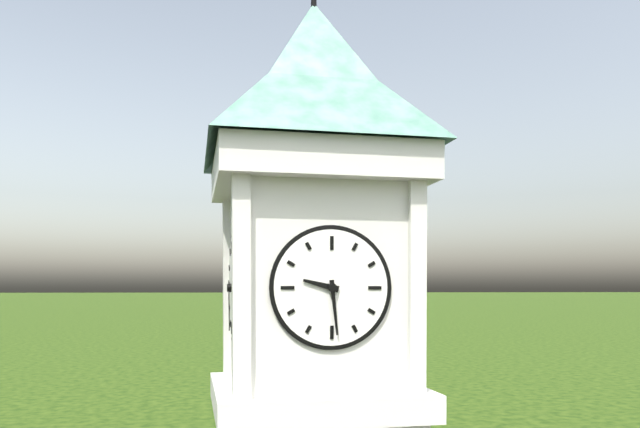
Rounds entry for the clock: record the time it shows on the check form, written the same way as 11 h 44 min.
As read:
9 h 29 min
